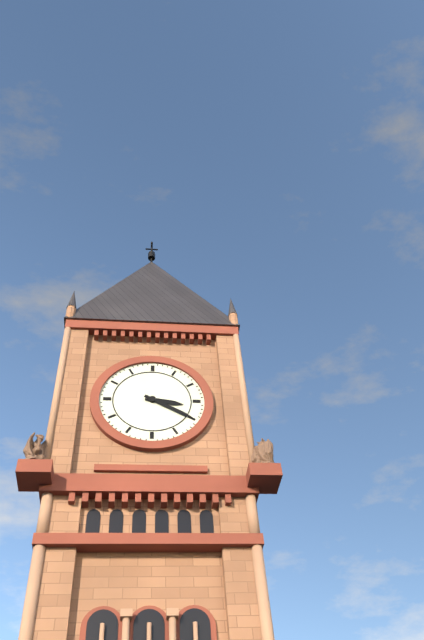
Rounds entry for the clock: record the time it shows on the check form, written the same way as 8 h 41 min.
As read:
3 h 20 min
